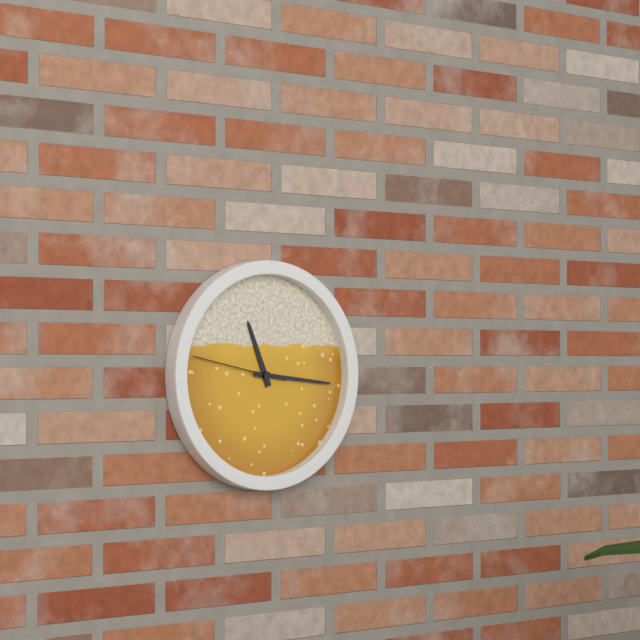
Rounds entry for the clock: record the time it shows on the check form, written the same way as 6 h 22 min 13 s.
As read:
11 h 16 min 47 s
